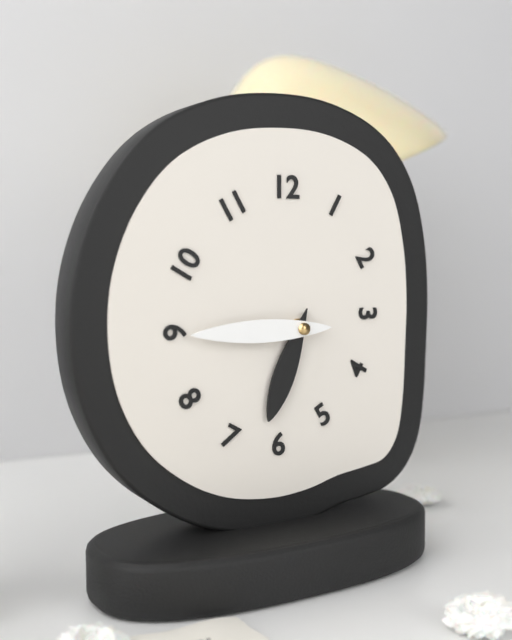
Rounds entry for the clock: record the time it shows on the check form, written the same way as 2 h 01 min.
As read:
6 h 45 min
